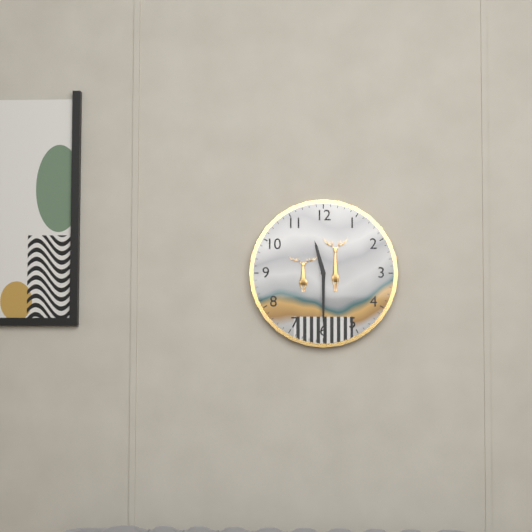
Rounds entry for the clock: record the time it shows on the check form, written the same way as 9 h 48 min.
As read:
11 h 30 min
